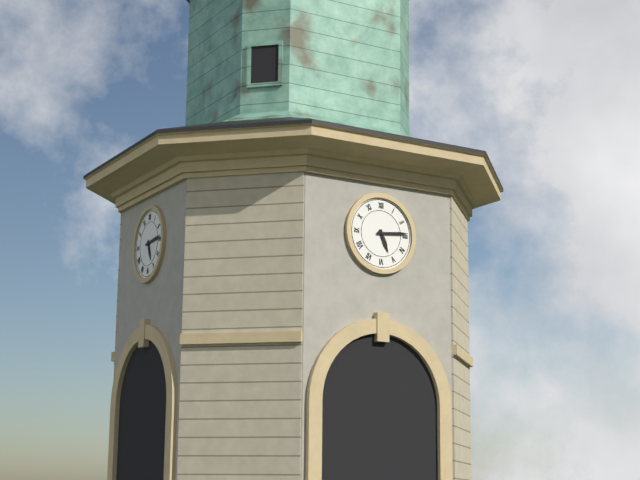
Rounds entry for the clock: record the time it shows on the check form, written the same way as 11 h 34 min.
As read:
5 h 14 min
